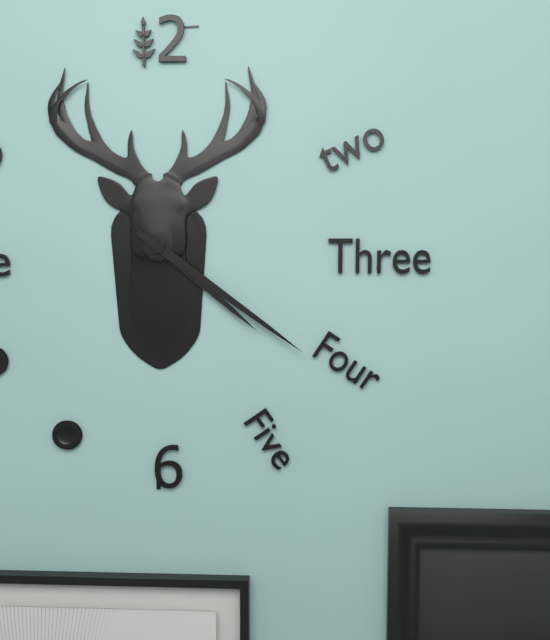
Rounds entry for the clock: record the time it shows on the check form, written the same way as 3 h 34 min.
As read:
4 h 21 min
